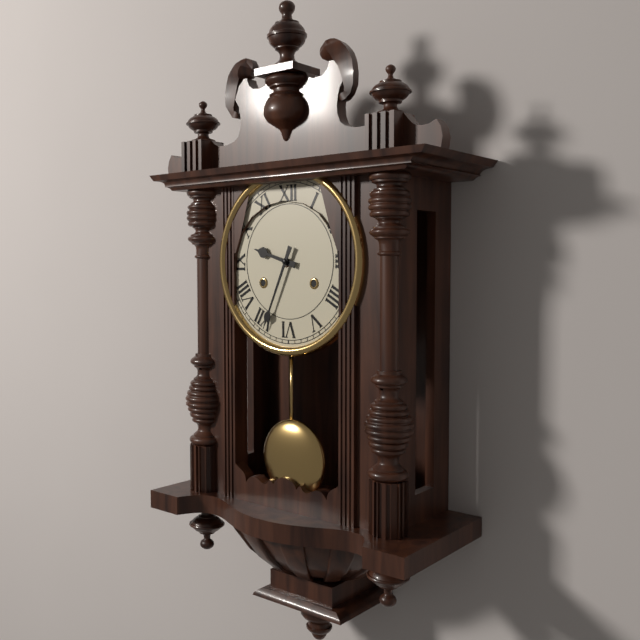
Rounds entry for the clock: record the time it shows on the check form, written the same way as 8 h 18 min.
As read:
9 h 34 min
